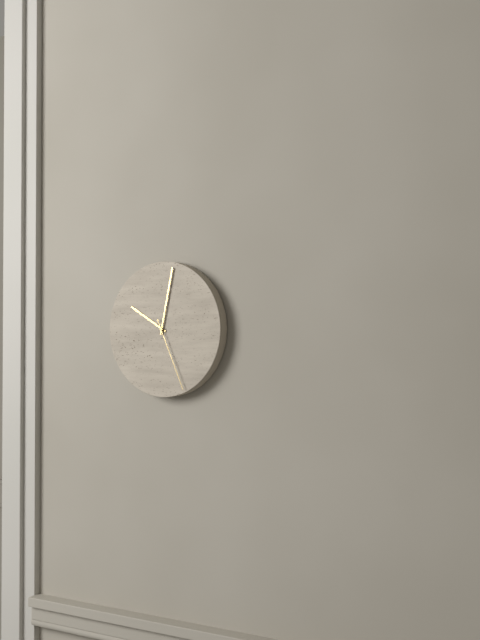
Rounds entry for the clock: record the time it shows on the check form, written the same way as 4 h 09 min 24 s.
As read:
10 h 02 min 26 s
